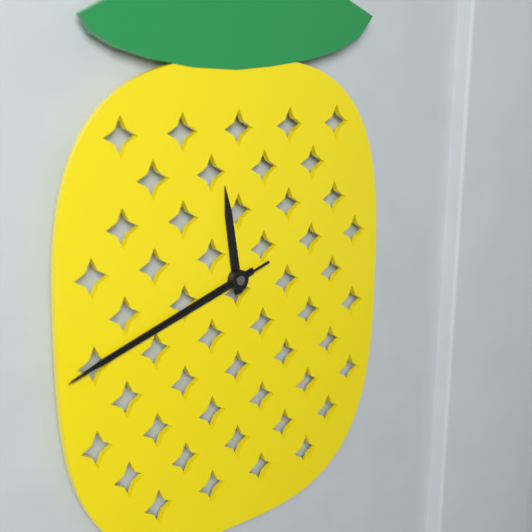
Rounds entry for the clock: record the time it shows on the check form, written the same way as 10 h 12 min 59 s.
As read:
11 h 42 min 42 s
